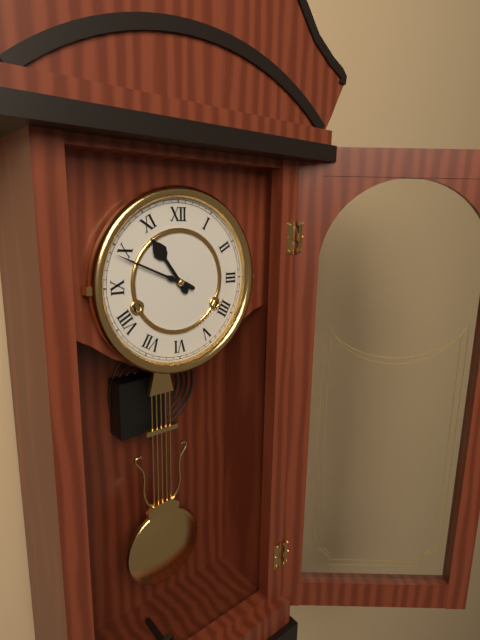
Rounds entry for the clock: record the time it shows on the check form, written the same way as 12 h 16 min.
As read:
10 h 49 min
